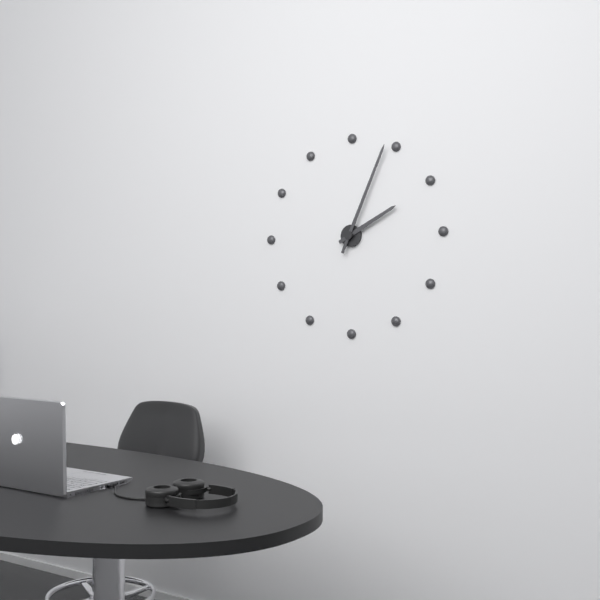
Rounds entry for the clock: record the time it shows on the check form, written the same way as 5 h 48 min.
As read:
2 h 04 min
